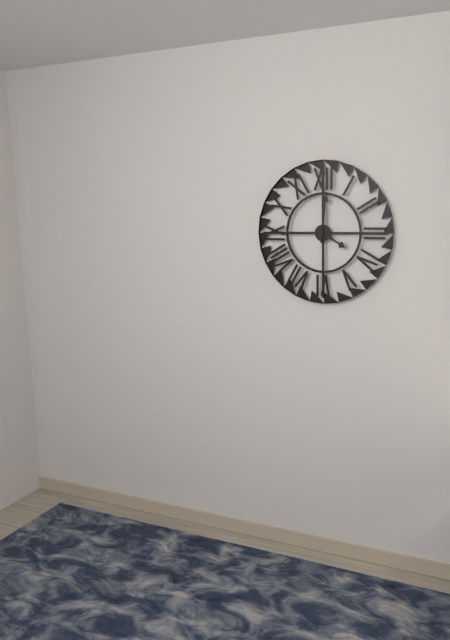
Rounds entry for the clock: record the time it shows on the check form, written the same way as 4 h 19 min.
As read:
4 h 01 min
